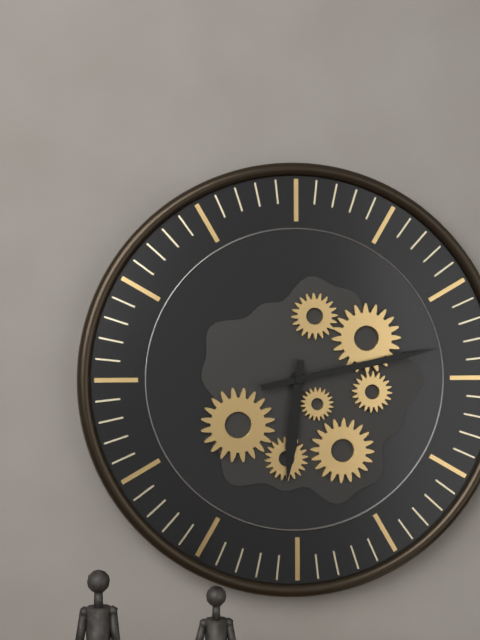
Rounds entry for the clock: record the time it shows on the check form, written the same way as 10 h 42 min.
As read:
6 h 13 min
